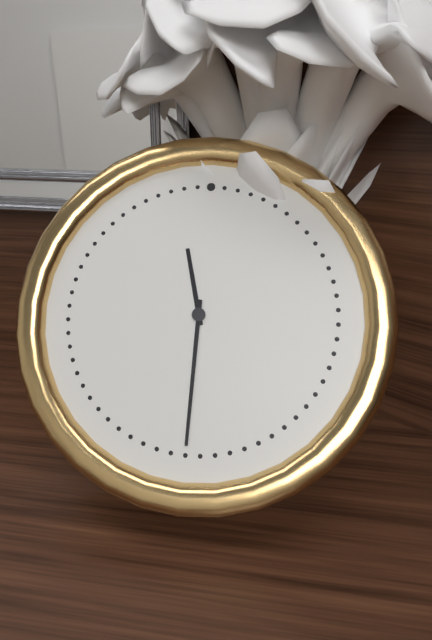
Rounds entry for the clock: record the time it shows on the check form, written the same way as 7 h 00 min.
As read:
11 h 30 min
